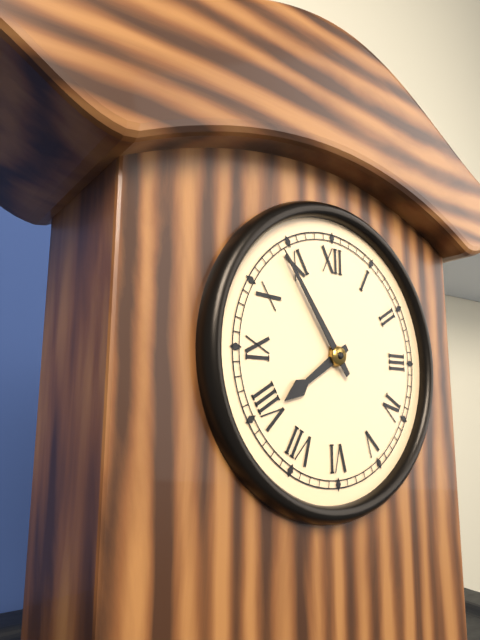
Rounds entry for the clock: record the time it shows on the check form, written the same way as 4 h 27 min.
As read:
7 h 54 min
